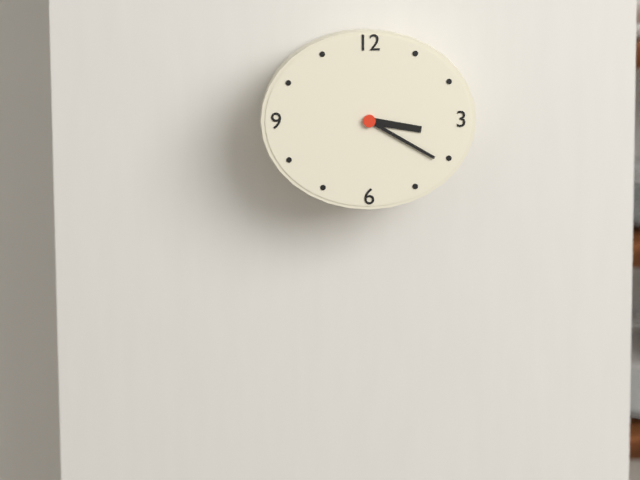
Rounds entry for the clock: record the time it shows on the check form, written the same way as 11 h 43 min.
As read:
3 h 20 min
